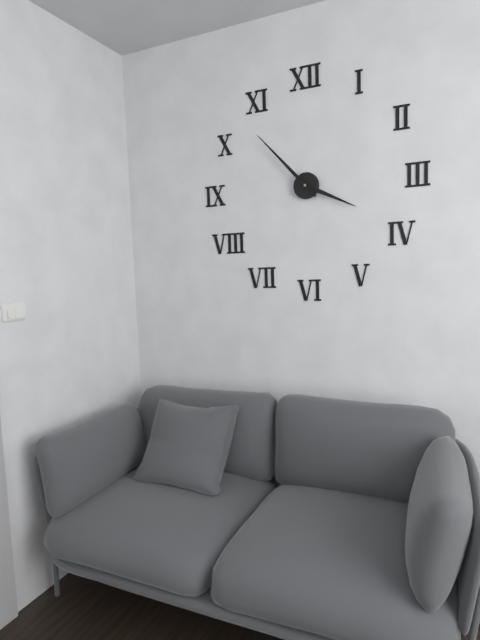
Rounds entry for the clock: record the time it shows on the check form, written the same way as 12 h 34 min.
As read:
3 h 53 min
